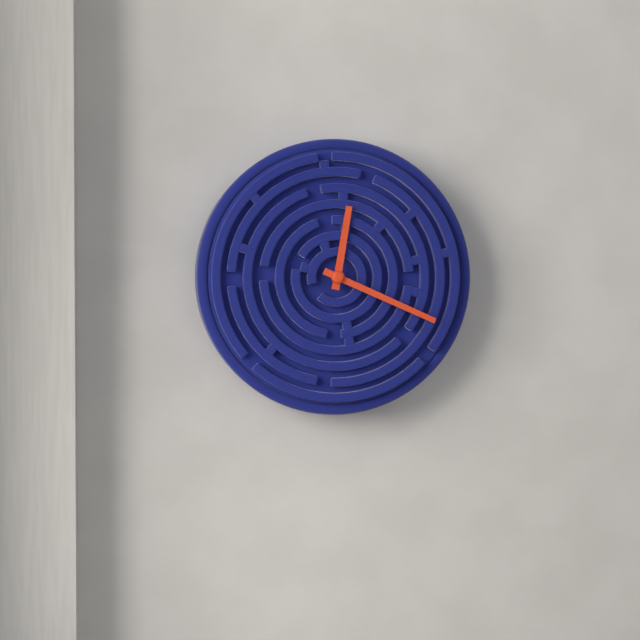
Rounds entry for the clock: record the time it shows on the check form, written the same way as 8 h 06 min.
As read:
12 h 19 min
